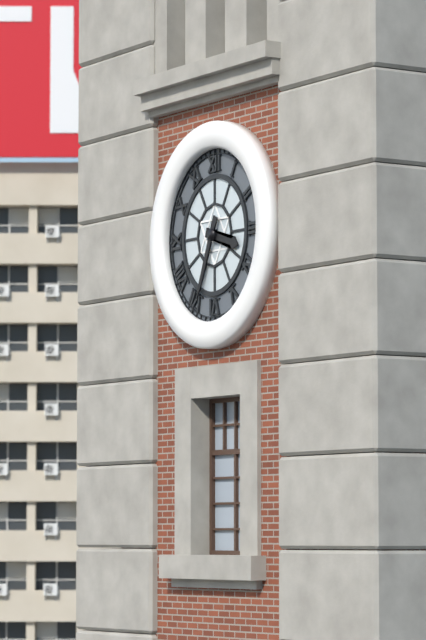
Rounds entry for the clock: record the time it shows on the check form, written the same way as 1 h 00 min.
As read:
3 h 34 min
